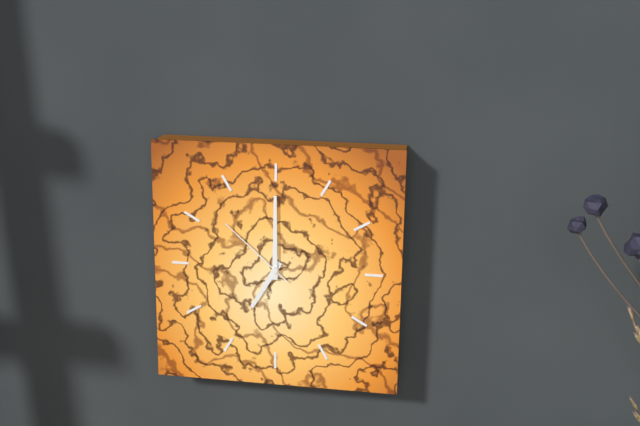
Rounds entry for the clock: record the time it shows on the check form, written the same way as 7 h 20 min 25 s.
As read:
7 h 00 min 52 s
